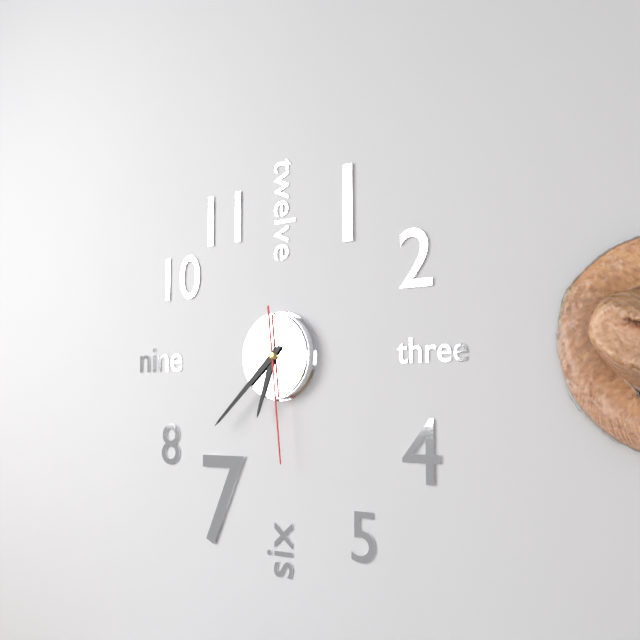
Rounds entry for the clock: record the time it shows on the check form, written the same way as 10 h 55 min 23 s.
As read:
6 h 38 min 29 s
